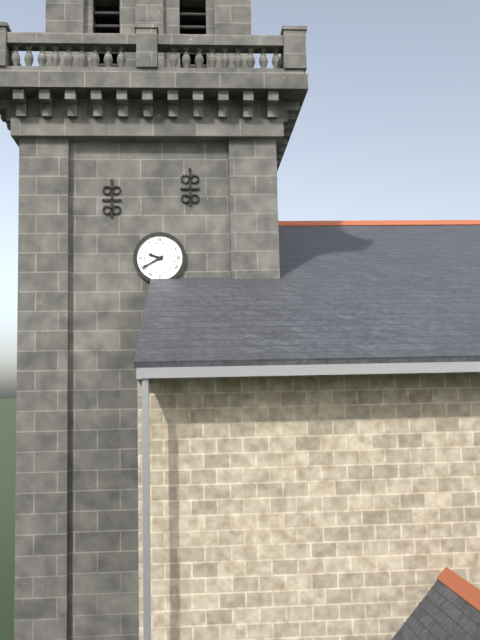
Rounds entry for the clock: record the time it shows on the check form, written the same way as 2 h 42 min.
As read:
9 h 40 min
